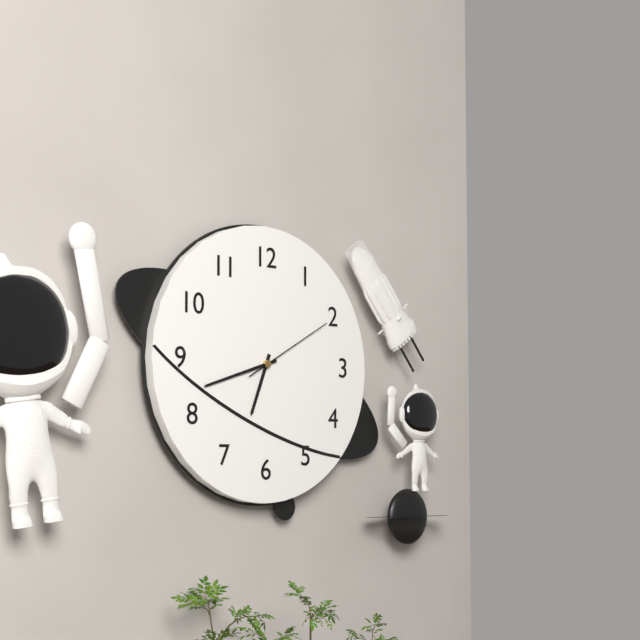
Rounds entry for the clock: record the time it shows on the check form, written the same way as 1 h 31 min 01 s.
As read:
6 h 42 min 10 s
